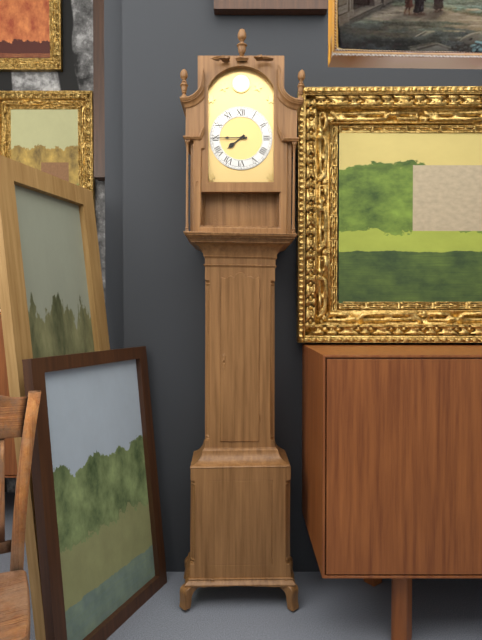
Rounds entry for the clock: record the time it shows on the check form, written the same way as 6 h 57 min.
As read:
7 h 45 min
